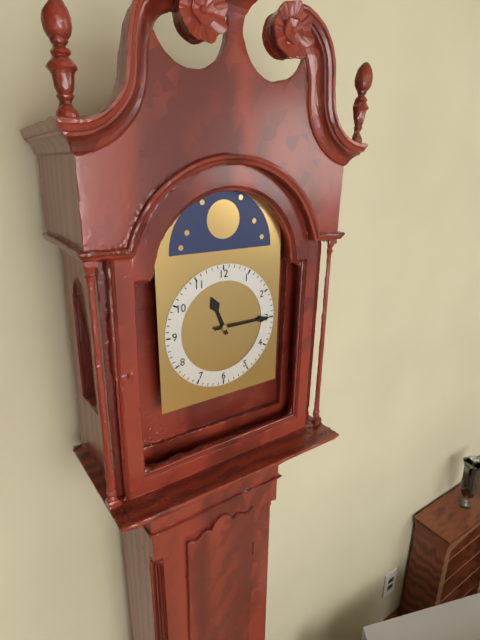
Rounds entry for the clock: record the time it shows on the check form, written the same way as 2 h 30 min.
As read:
11 h 15 min
